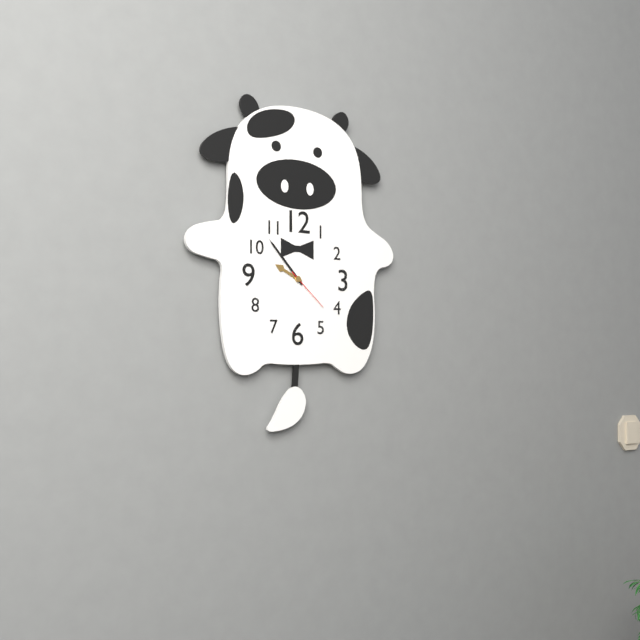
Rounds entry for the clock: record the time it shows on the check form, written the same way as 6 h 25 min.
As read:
9 h 53 min
